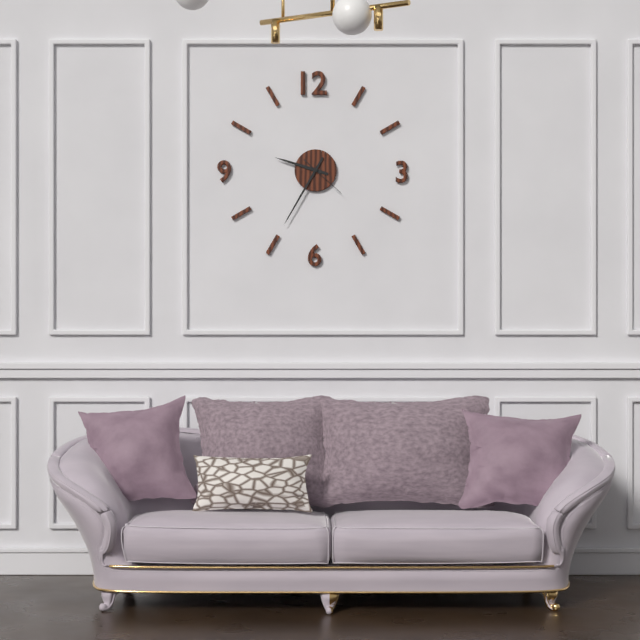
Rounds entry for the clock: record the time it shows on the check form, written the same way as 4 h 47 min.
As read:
9 h 35 min
